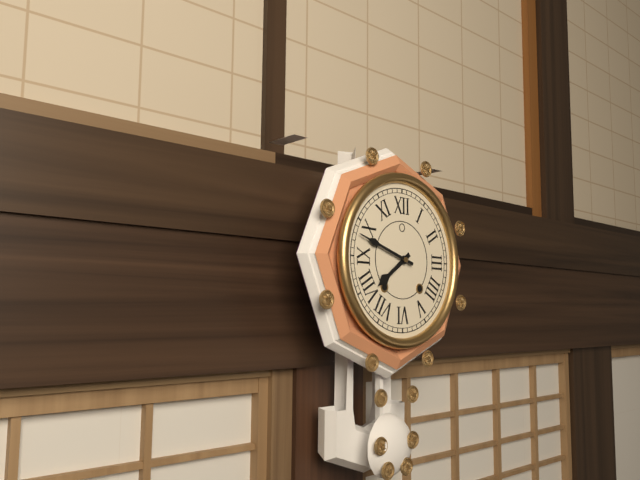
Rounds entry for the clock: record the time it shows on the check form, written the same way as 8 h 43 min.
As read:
7 h 48 min
